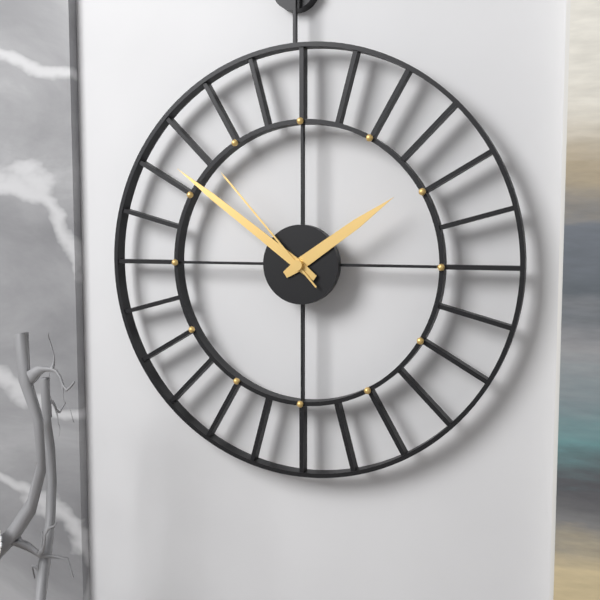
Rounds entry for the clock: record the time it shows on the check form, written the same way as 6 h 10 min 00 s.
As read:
1 h 51 min 53 s
